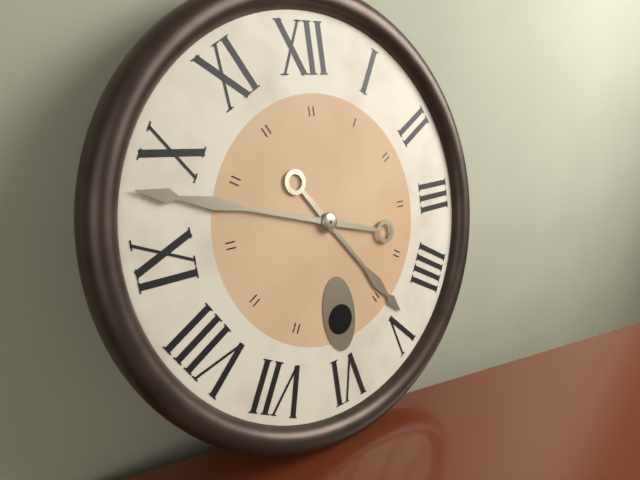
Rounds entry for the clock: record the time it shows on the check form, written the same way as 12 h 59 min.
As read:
4 h 48 min
